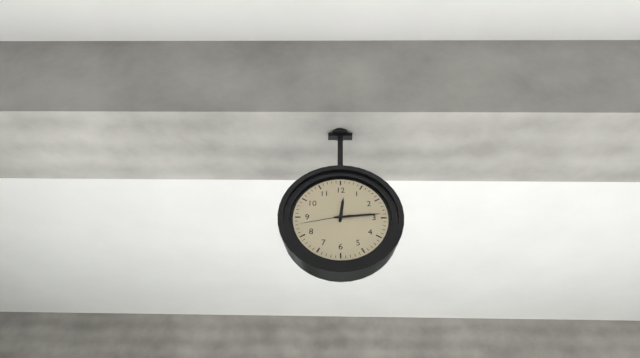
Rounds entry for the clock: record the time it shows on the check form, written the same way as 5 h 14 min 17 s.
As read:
12 h 14 min 43 s
